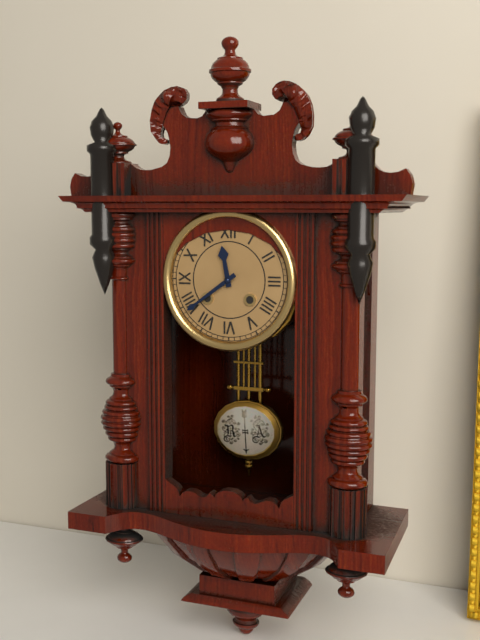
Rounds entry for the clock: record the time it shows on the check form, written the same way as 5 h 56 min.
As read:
11 h 39 min
